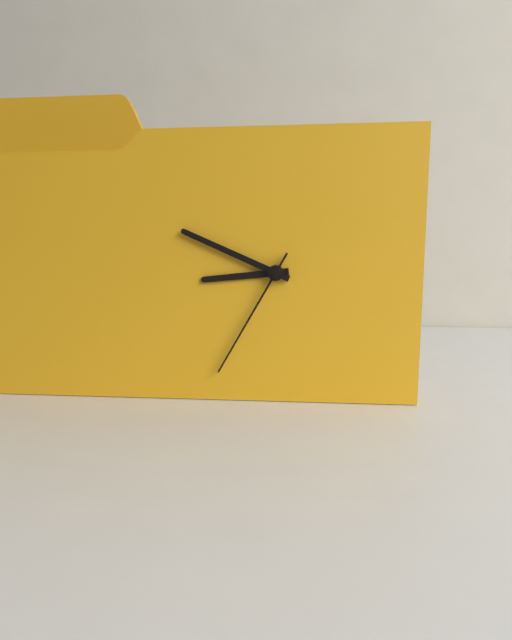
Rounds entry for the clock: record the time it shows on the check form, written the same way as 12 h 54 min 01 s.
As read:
8 h 49 min 35 s
